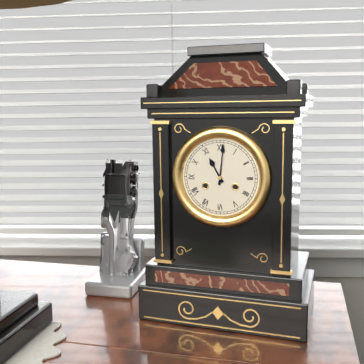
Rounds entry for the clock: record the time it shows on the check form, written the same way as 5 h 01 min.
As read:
11 h 01 min
